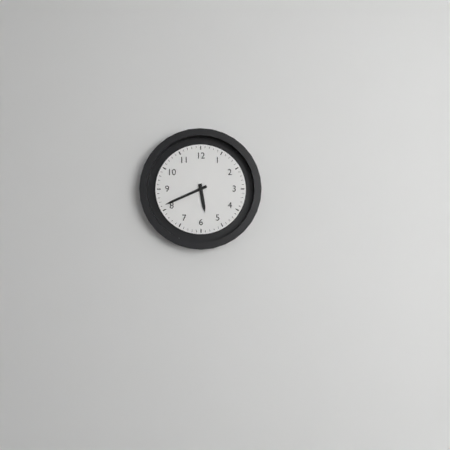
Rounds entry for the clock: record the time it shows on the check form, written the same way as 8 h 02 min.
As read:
5 h 41 min
